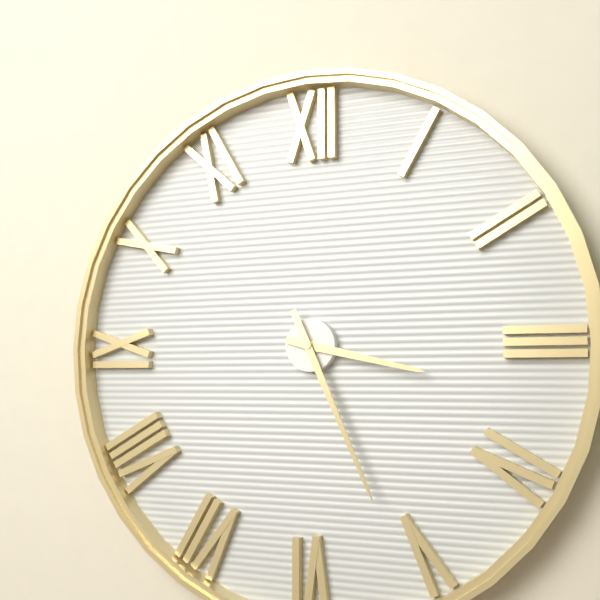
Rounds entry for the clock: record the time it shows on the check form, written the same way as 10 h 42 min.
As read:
3 h 26 min
